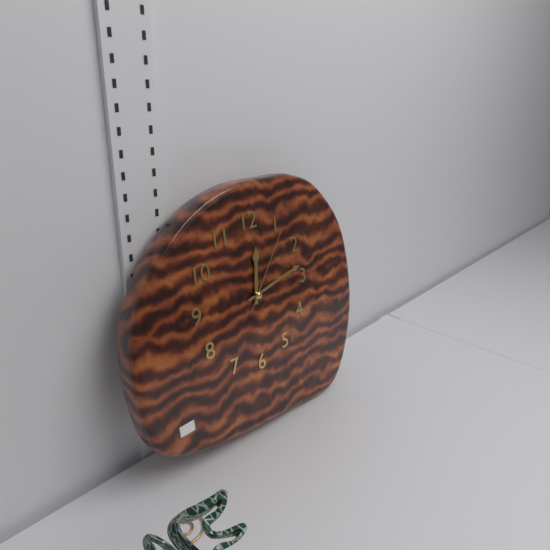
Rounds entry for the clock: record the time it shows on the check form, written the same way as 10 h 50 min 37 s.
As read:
12 h 13 min 06 s
